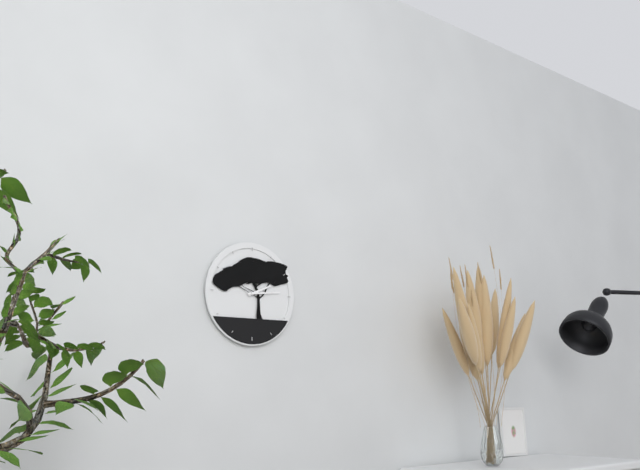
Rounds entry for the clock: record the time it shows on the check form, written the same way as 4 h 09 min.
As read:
2 h 14 min
